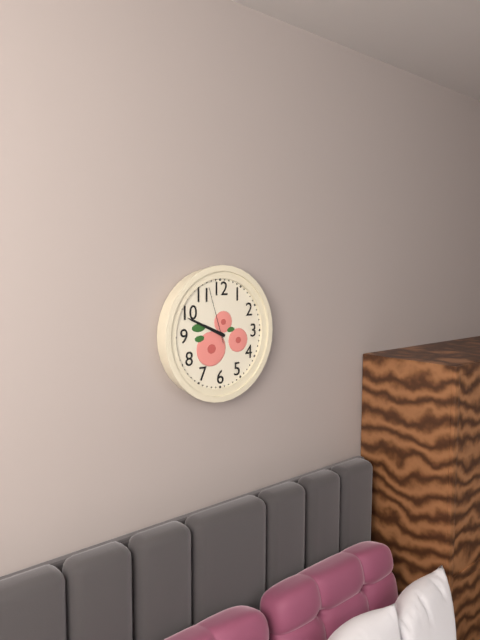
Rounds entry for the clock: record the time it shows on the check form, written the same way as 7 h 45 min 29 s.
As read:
9 h 49 min 57 s
